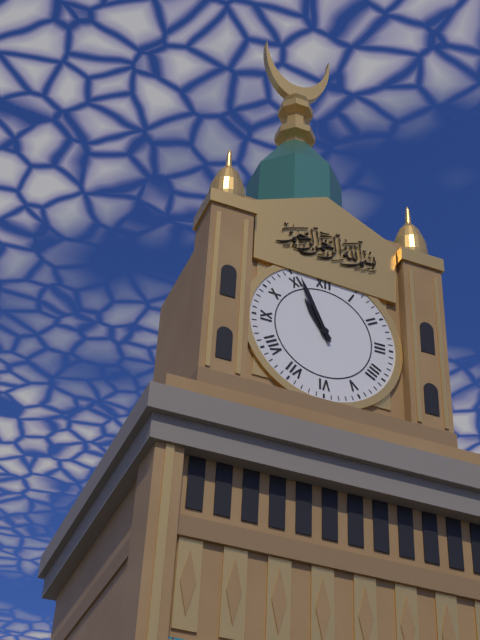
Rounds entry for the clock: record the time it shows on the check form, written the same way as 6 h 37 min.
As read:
10 h 56 min
